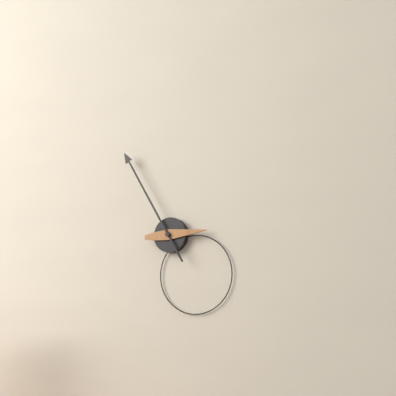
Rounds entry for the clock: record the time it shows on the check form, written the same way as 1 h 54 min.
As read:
2 h 55 min
